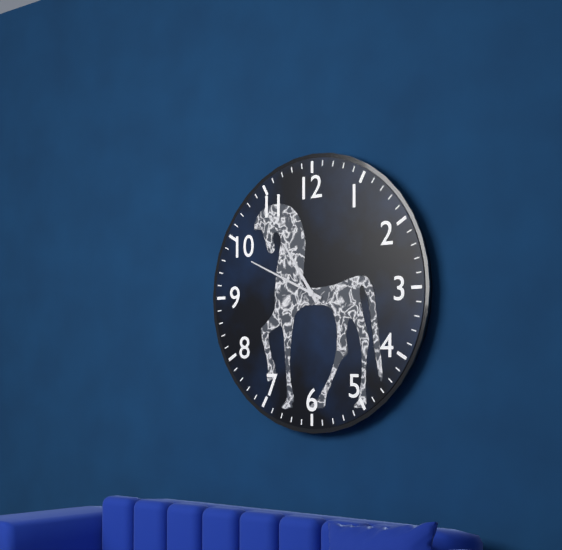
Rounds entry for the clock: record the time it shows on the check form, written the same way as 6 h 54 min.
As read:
10 h 49 min
